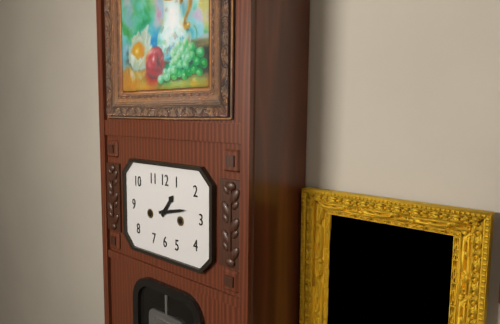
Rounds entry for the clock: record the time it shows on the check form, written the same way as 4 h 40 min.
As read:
1 h 13 min
